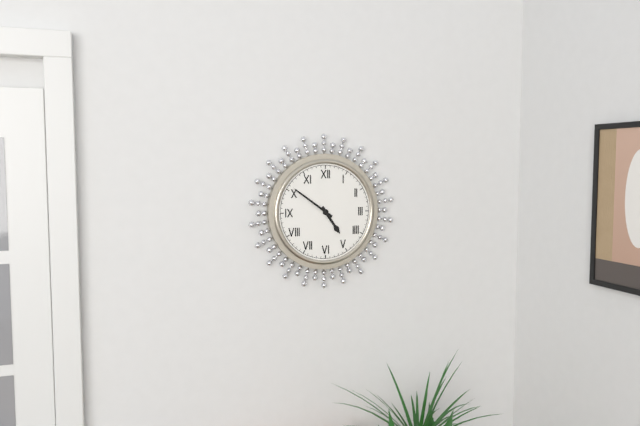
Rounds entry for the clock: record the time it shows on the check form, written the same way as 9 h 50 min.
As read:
4 h 51 min
